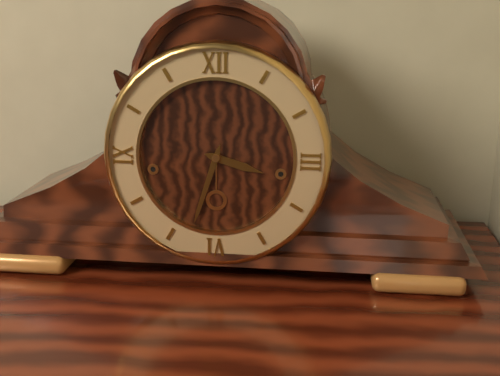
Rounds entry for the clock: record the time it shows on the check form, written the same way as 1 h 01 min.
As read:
3 h 33 min
